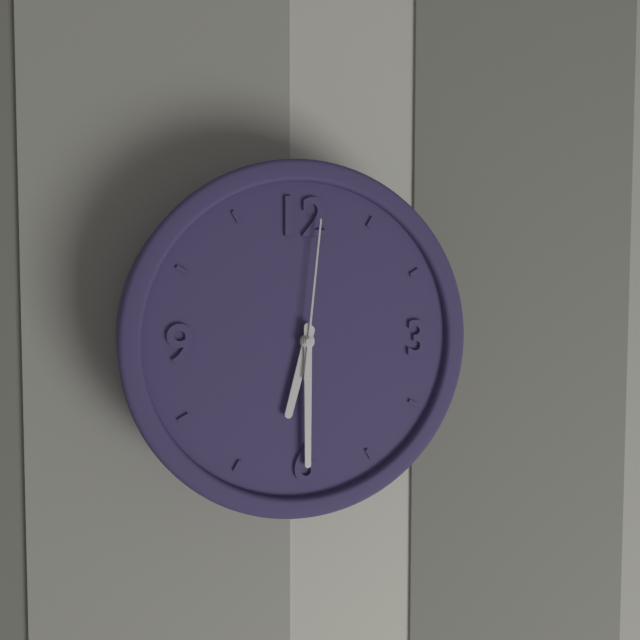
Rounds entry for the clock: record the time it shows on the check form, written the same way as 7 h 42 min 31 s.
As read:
6 h 30 min 01 s
